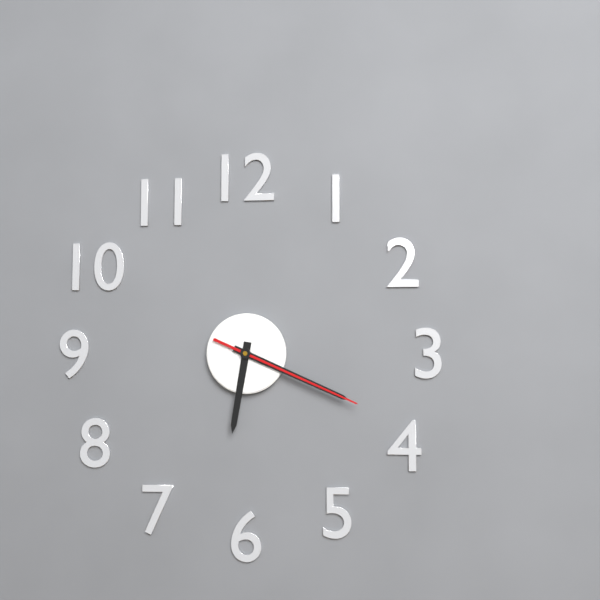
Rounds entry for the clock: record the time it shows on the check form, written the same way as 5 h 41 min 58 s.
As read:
6 h 19 min 19 s
